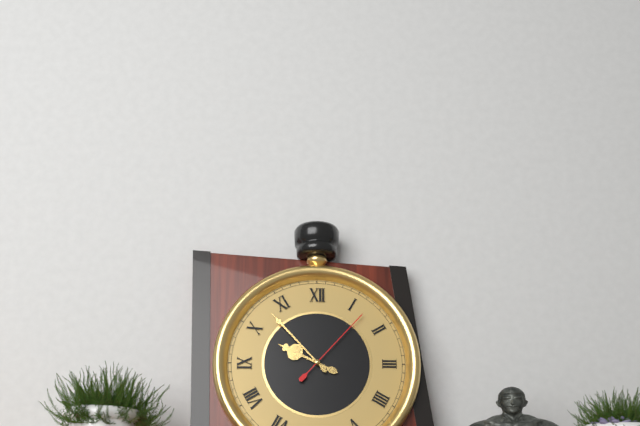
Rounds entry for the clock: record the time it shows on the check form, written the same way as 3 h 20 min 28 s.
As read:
9 h 53 min 07 s
